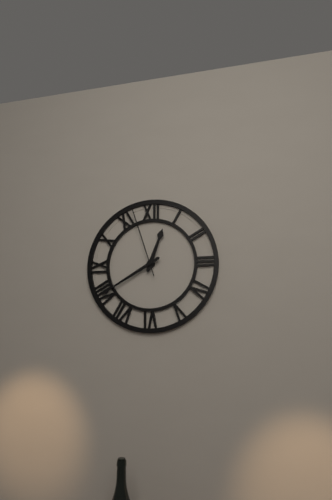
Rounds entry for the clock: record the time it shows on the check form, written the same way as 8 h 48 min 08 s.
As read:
12 h 40 min 57 s
